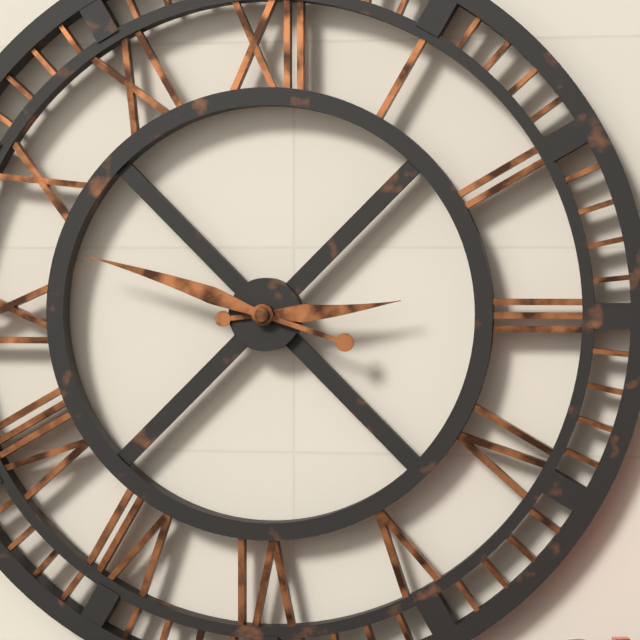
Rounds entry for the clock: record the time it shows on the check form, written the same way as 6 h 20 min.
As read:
2 h 48 min
